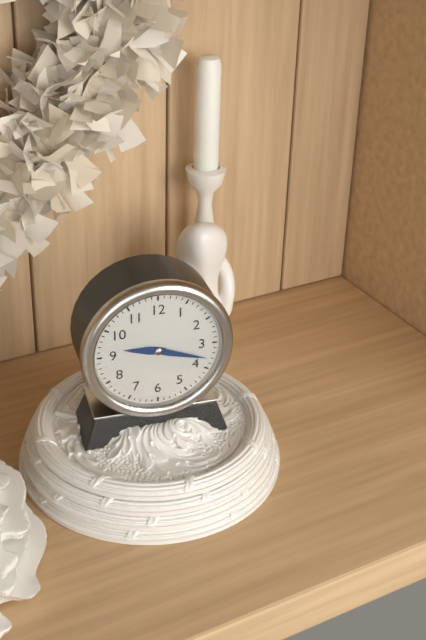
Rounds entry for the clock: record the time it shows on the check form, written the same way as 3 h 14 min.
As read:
9 h 18 min
